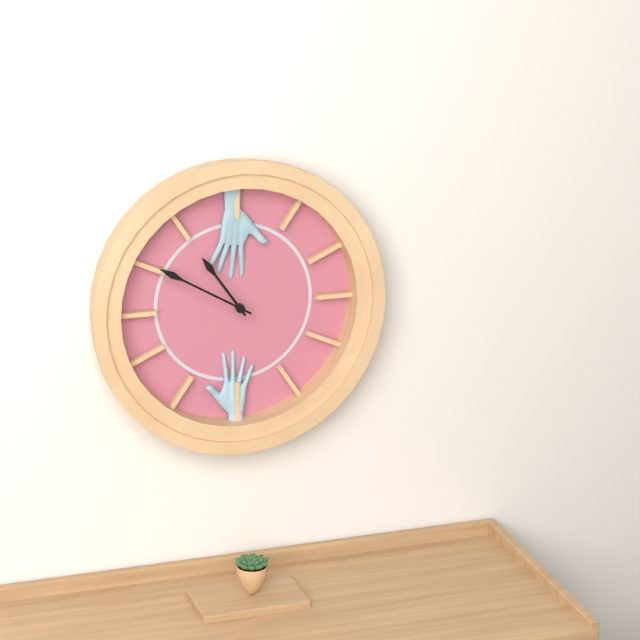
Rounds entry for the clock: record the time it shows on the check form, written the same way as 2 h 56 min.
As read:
10 h 50 min
